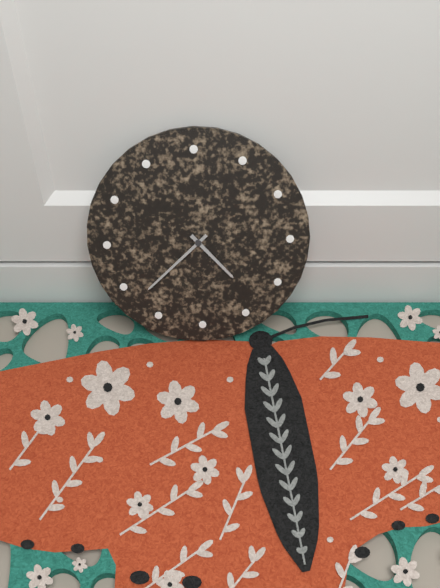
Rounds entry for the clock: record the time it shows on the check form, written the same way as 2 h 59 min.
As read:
4 h 38 min
